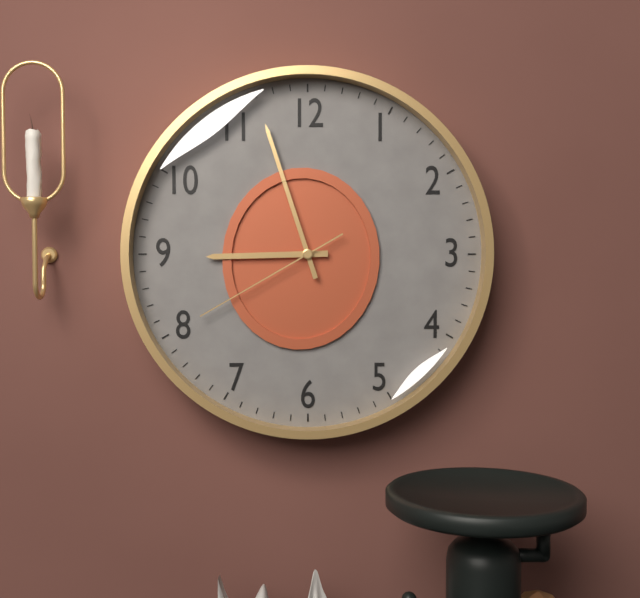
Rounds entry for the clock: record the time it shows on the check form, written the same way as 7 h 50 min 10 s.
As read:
8 h 57 min 40 s
